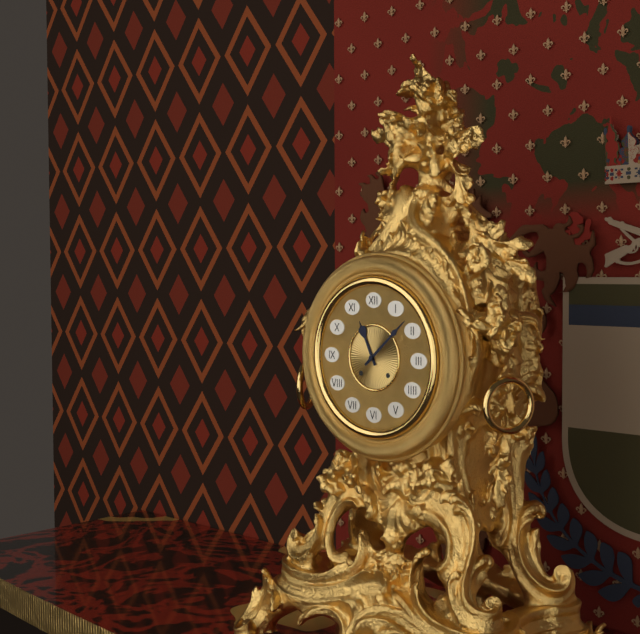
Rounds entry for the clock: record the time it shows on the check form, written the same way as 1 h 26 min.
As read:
11 h 08 min
